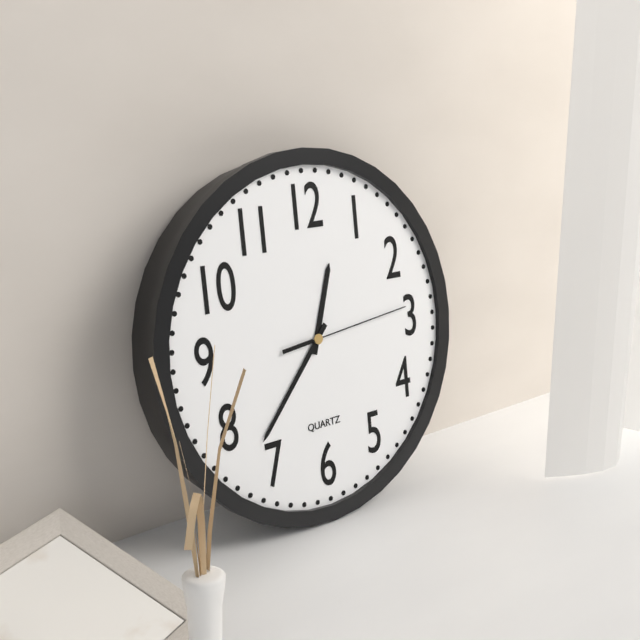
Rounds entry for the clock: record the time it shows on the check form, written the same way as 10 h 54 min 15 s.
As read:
12 h 37 min 14 s
